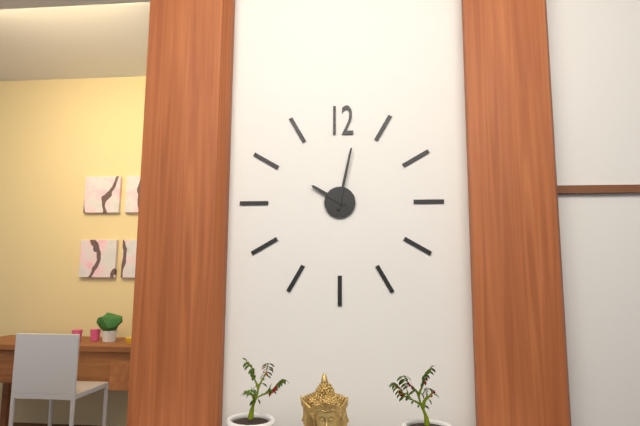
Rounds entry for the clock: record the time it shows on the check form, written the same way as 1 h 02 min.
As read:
10 h 02 min
